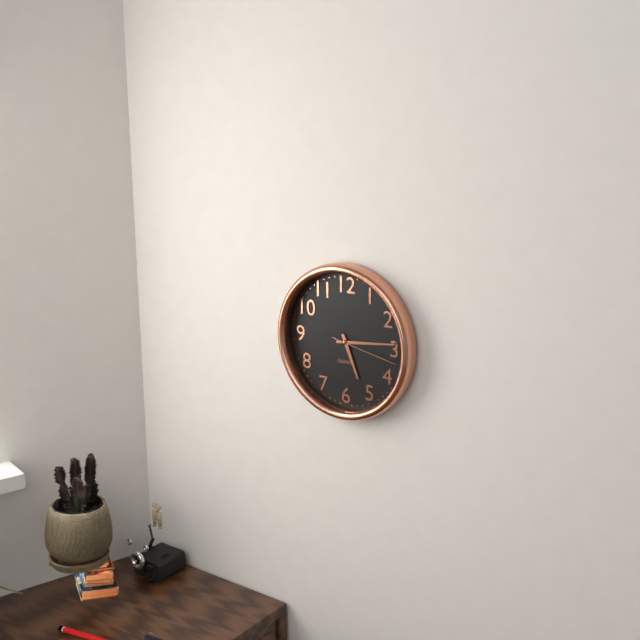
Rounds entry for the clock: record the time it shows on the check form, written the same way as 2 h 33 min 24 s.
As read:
5 h 14 min 17 s
